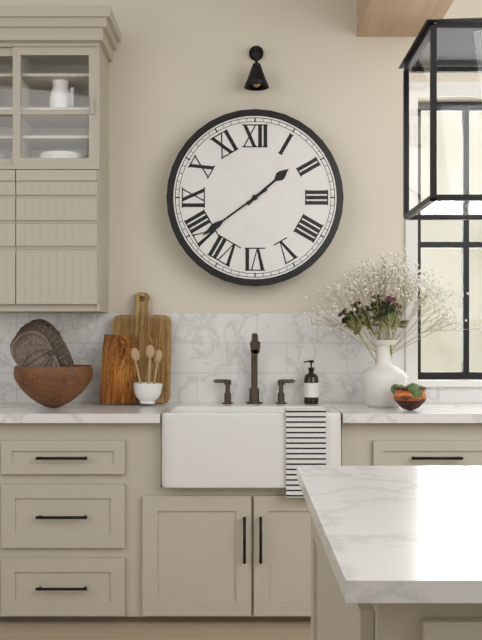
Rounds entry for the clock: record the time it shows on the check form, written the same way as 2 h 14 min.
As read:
1 h 39 min
